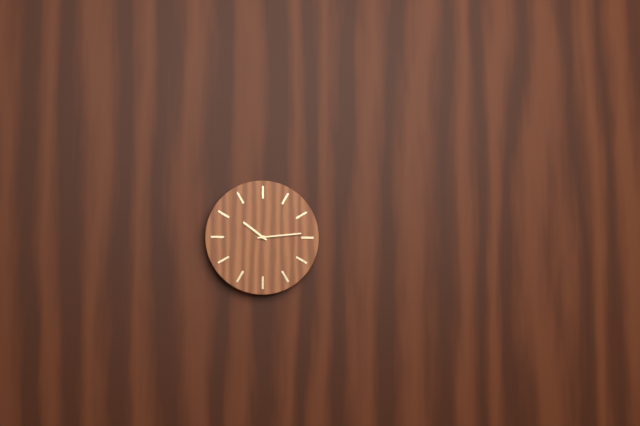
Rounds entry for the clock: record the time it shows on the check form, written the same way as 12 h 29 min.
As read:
10 h 14 min
